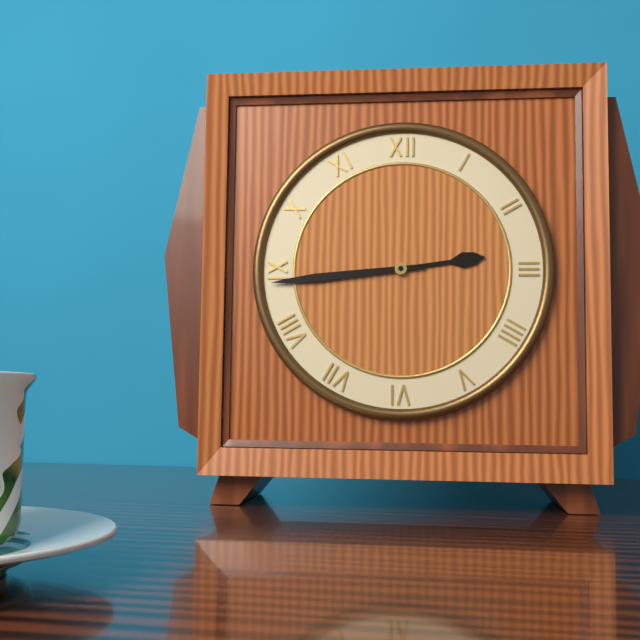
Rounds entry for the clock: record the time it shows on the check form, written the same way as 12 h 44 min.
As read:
2 h 44 min
